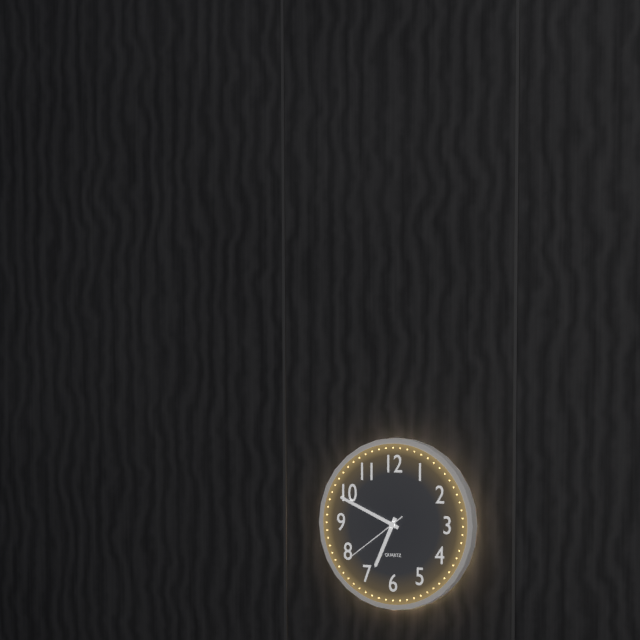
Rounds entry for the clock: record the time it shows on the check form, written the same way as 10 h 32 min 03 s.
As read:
6 h 49 min 39 s
